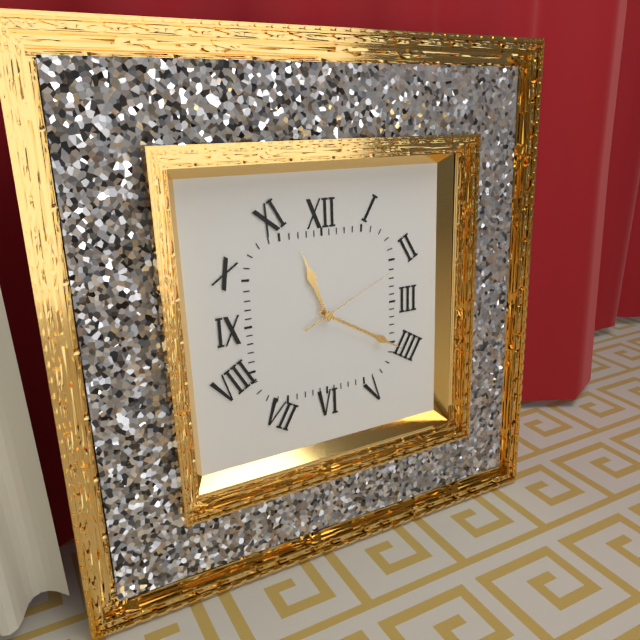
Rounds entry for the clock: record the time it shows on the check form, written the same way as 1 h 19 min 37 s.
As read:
11 h 20 min 11 s
